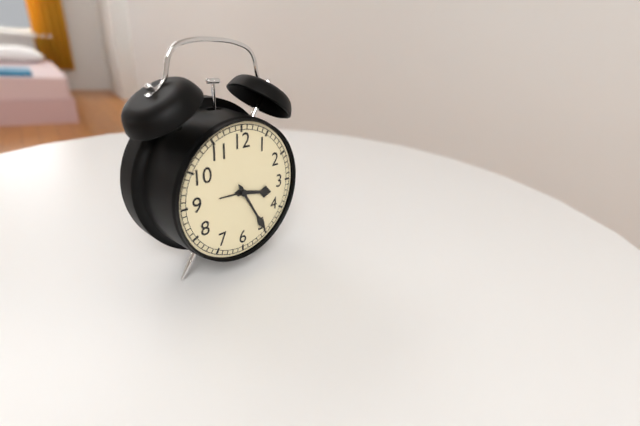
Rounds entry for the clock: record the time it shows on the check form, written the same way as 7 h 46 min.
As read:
3 h 25 min
